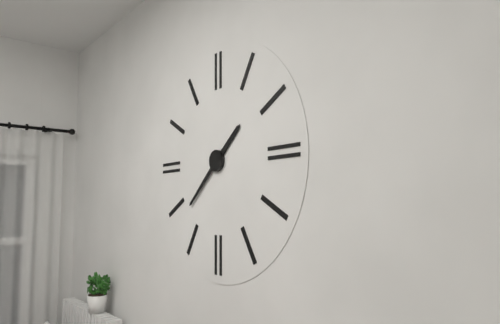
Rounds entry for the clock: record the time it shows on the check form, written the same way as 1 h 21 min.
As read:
1 h 38 min
